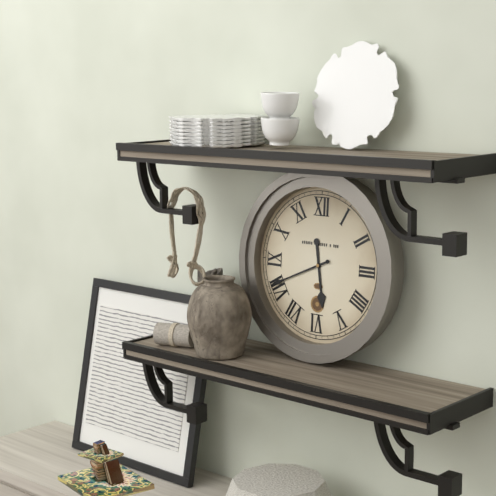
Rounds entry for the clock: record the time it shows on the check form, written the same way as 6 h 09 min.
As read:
5 h 41 min
